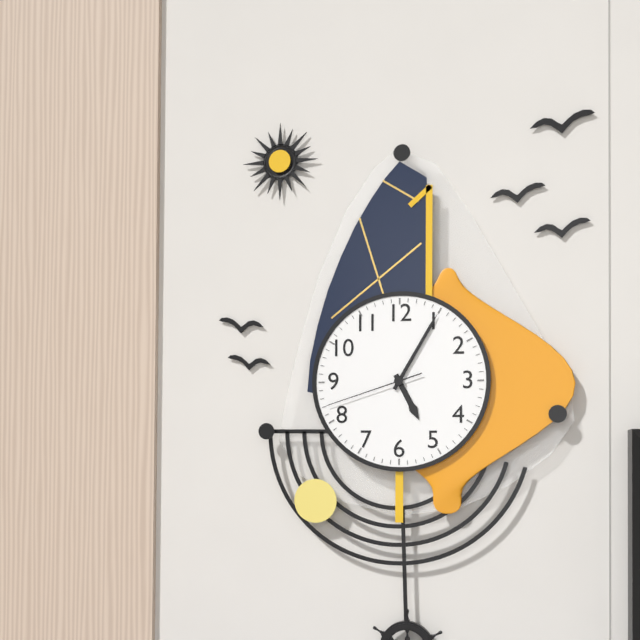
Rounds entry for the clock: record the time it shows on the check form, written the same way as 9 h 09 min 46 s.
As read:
5 h 05 min 42 s
